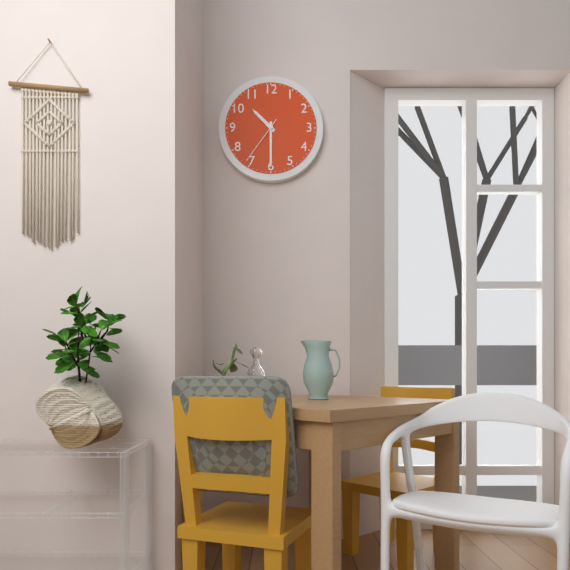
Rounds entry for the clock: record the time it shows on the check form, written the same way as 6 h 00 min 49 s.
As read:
10 h 30 min 36 s
